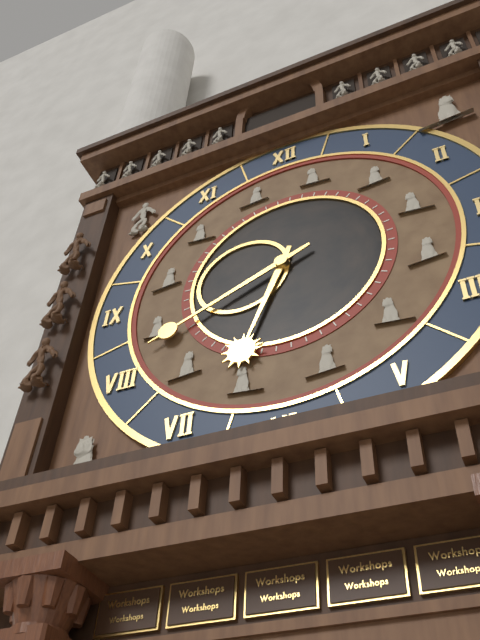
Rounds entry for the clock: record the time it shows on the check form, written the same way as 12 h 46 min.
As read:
6 h 41 min
